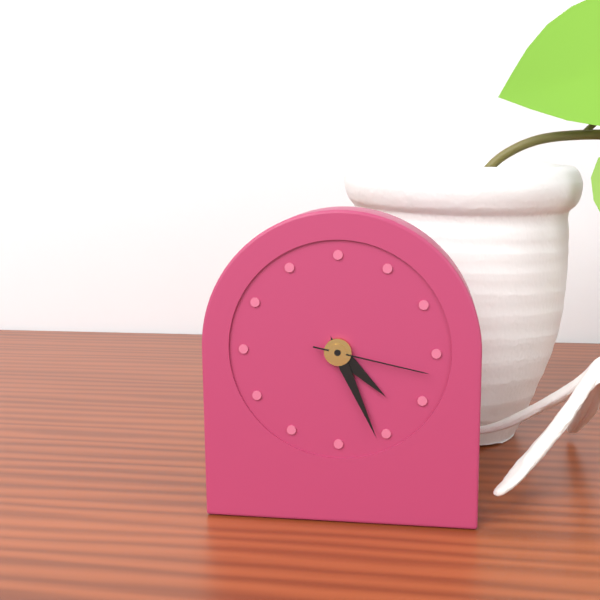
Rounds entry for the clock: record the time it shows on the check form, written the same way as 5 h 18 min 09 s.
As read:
4 h 26 min 17 s
